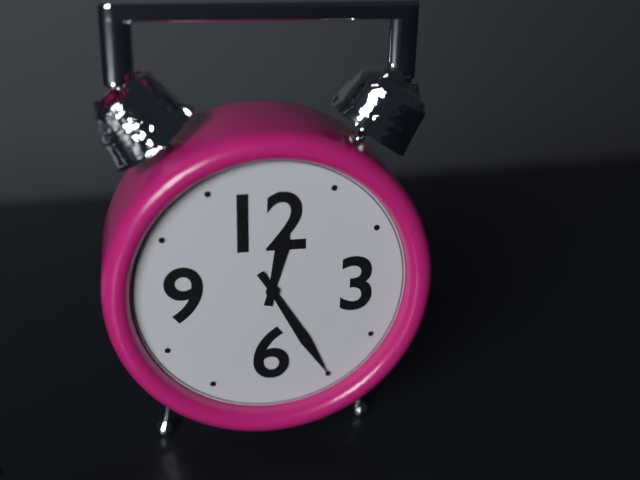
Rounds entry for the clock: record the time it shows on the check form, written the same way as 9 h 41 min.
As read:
12 h 25 min
